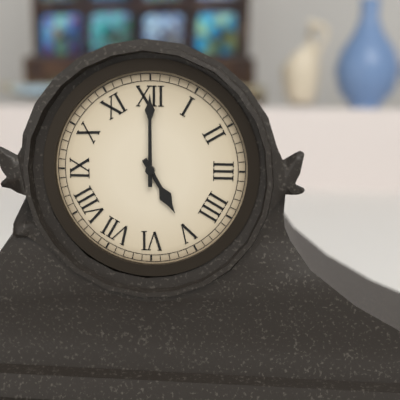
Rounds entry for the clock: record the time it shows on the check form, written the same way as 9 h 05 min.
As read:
5 h 00 min
